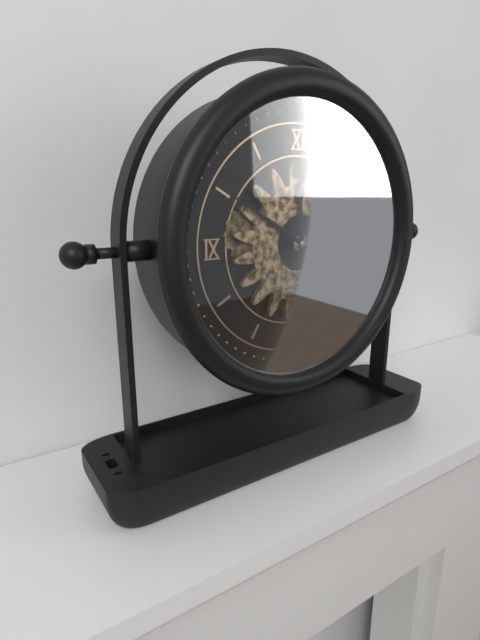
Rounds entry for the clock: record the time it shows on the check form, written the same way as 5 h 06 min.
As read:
11 h 50 min
